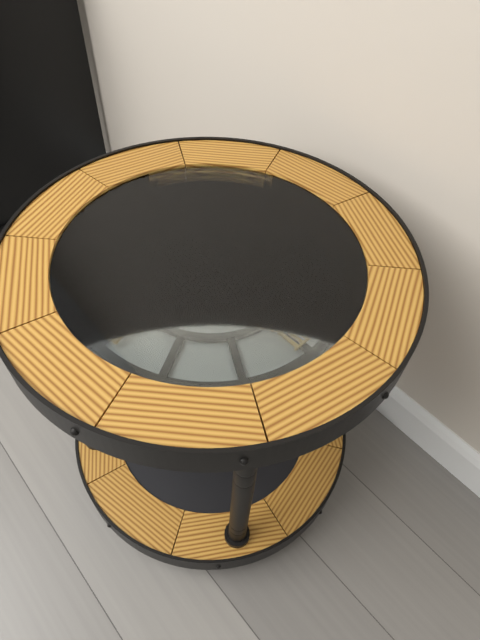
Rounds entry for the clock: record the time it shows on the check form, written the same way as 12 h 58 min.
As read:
3 h 10 min
